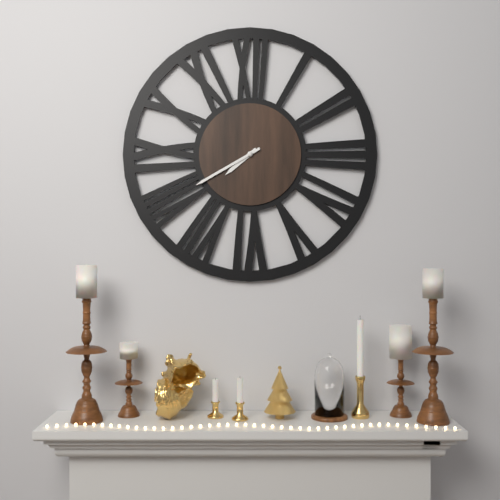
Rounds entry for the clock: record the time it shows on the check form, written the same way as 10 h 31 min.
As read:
7 h 40 min
